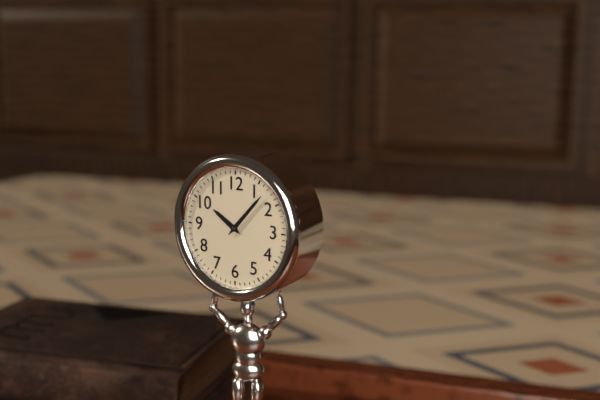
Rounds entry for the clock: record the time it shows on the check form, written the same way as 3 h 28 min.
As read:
10 h 07 min
